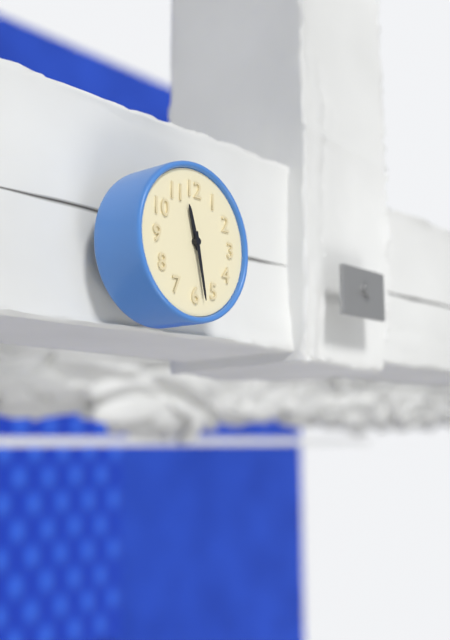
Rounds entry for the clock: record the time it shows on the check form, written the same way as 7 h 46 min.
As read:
11 h 28 min
